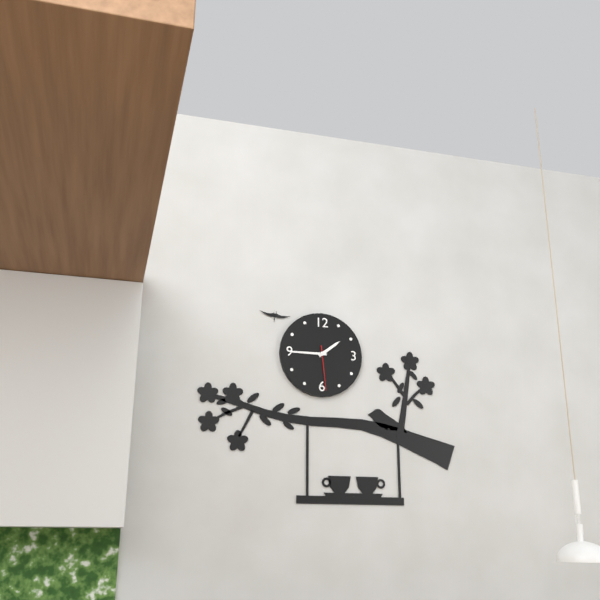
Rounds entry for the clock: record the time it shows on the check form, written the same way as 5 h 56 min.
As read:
1 h 45 min
